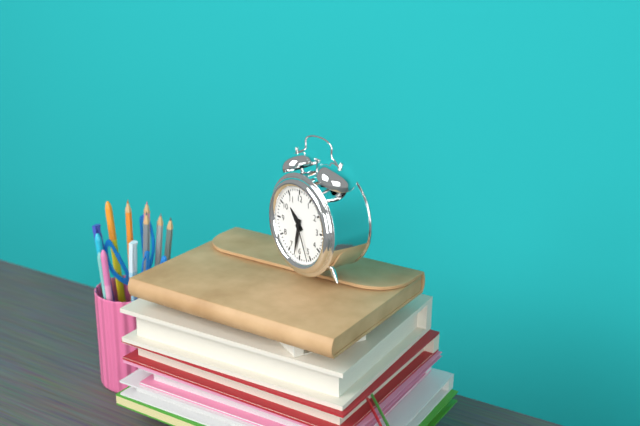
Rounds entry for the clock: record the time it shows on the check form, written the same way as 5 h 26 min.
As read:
10 h 32 min
